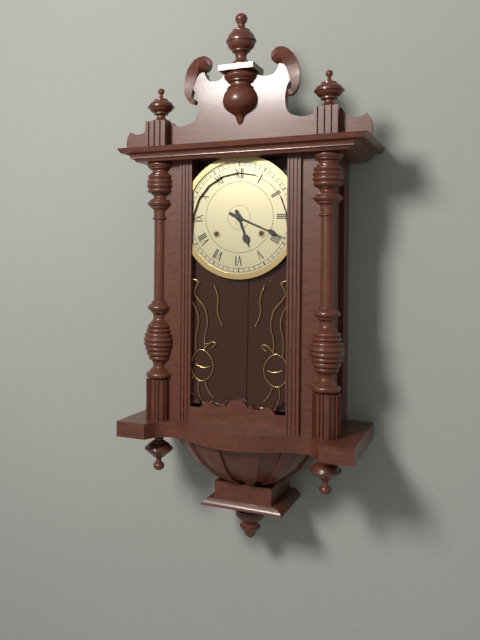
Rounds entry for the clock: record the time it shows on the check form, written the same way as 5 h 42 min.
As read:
5 h 19 min
